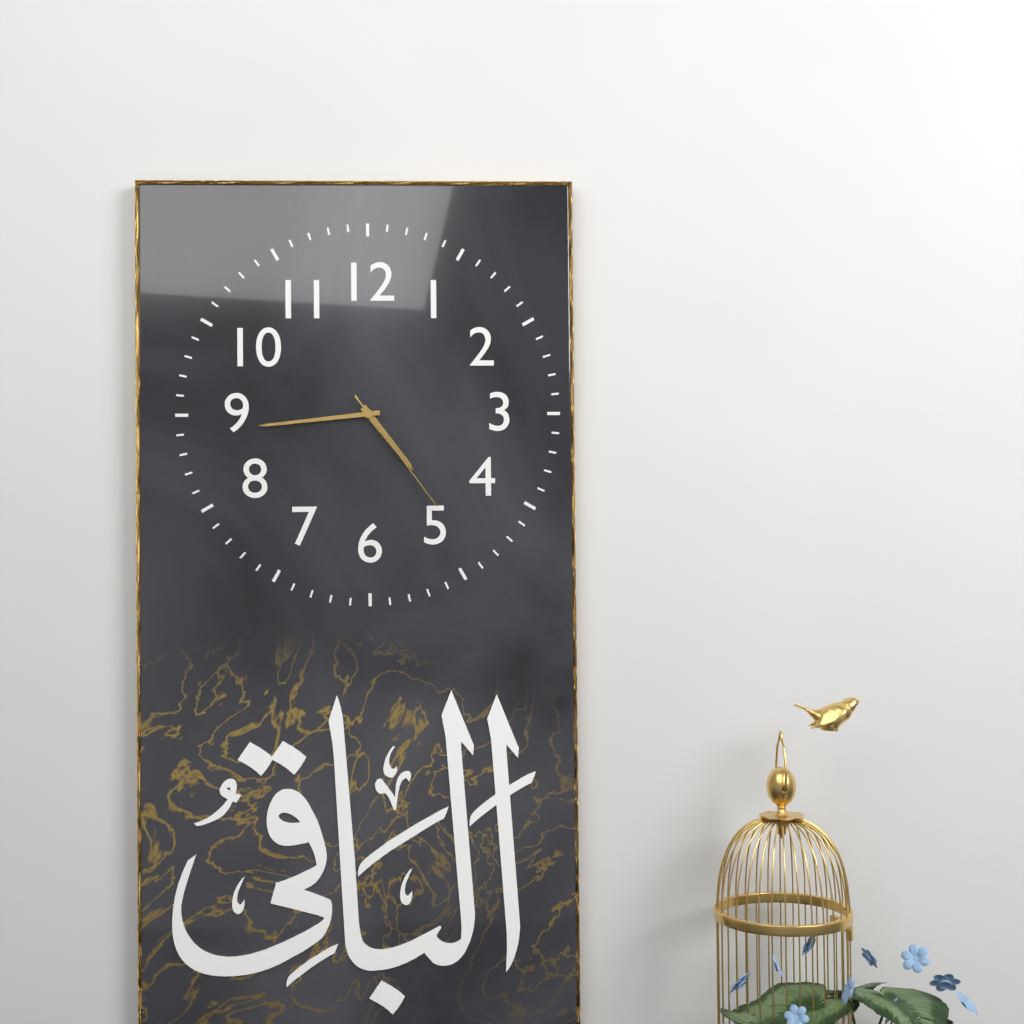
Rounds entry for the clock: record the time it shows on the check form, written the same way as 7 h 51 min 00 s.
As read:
4 h 44 min 24 s
